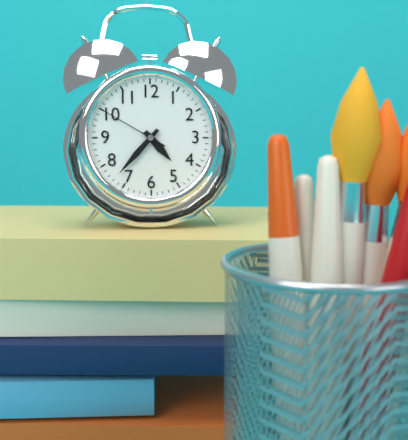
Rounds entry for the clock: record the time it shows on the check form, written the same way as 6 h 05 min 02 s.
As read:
4 h 37 min 50 s
